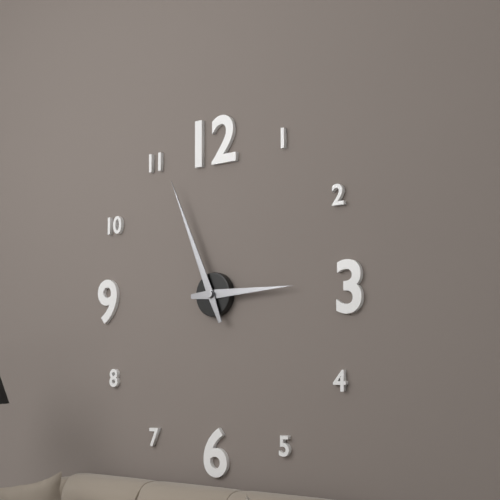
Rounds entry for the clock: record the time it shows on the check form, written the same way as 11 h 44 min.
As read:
2 h 56 min
